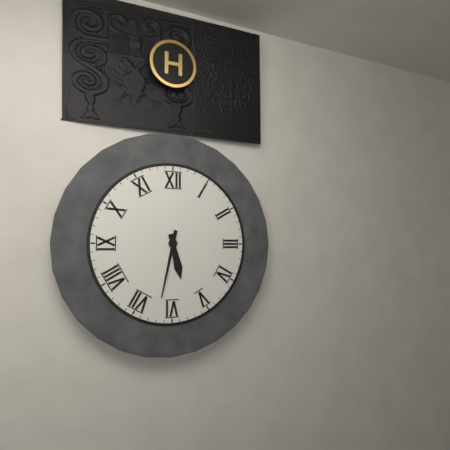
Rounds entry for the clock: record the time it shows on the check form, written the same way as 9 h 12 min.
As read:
5 h 32 min
